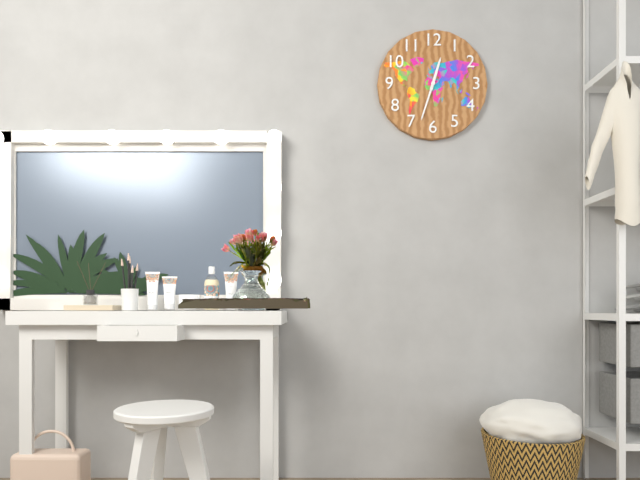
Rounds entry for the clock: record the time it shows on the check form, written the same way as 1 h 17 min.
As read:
12 h 33 min
